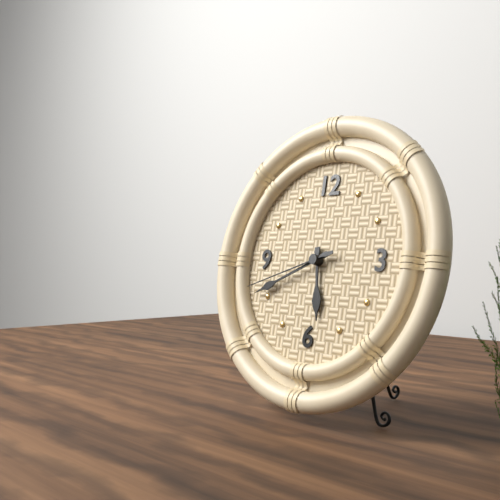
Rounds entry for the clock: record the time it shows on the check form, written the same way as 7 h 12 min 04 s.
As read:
5 h 41 min 42 s
